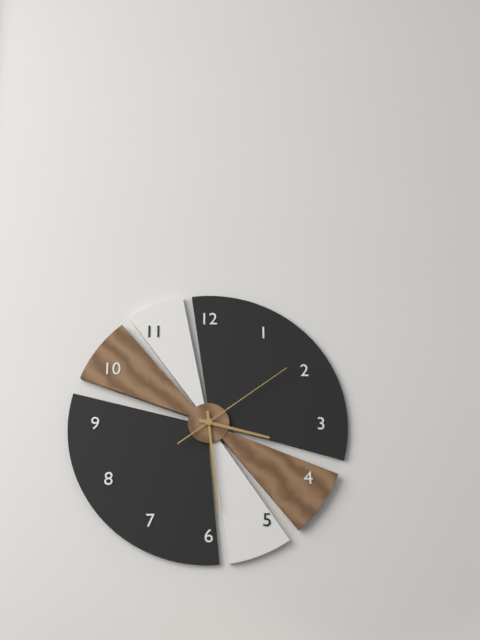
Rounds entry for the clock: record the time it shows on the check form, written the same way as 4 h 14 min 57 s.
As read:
3 h 29 min 09 s
